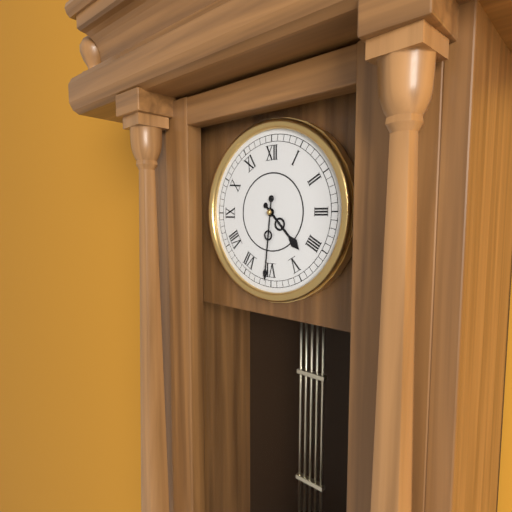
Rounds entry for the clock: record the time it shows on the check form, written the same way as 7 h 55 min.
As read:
4 h 31 min
